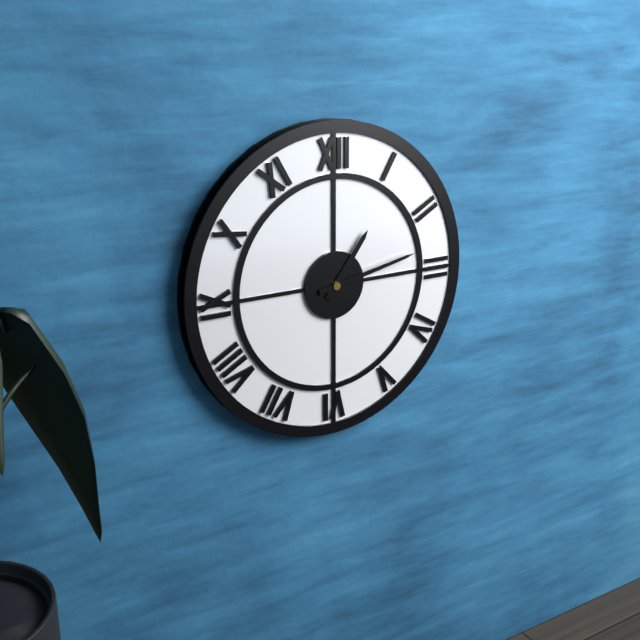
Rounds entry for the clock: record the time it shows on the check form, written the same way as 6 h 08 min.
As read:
1 h 13 min
